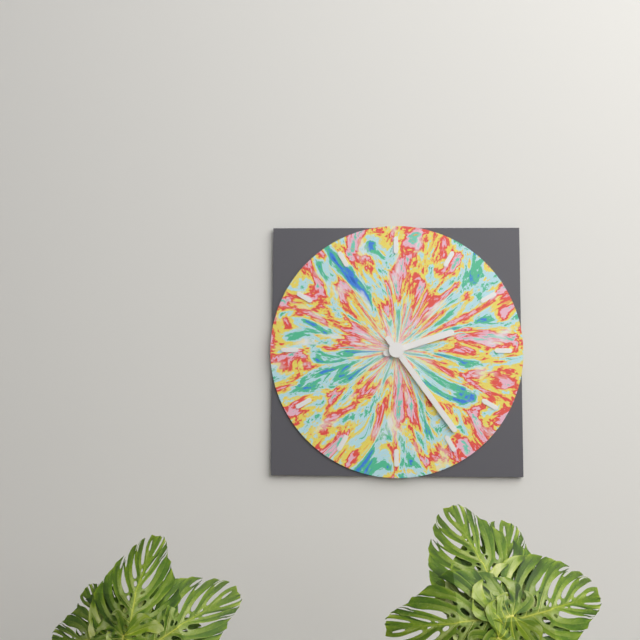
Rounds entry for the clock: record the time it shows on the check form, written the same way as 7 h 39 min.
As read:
2 h 24 min
